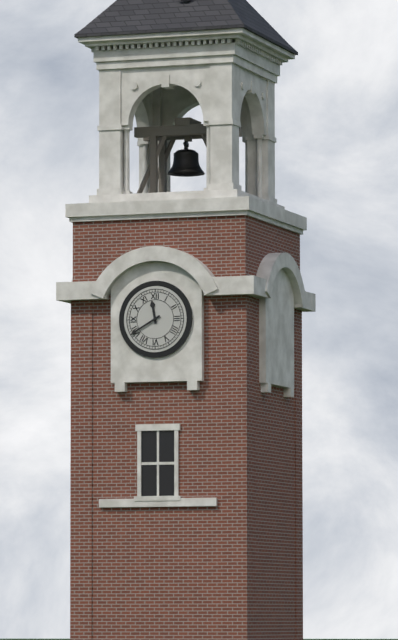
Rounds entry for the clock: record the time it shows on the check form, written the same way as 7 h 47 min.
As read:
11 h 40 min
